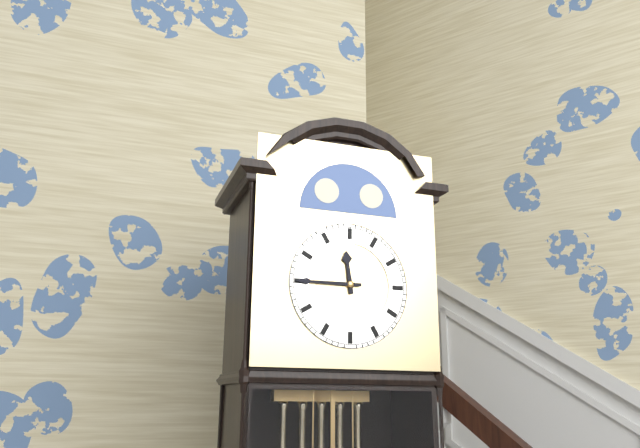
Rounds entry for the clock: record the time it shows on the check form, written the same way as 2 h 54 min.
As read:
11 h 45 min
